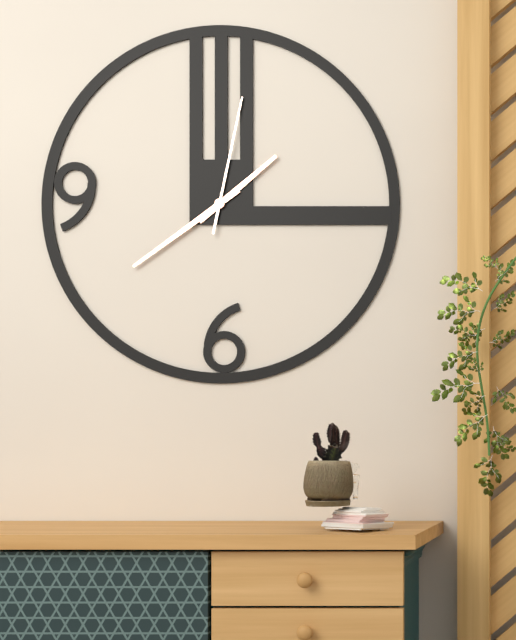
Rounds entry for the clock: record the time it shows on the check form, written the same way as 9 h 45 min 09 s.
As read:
1 h 39 min 02 s
